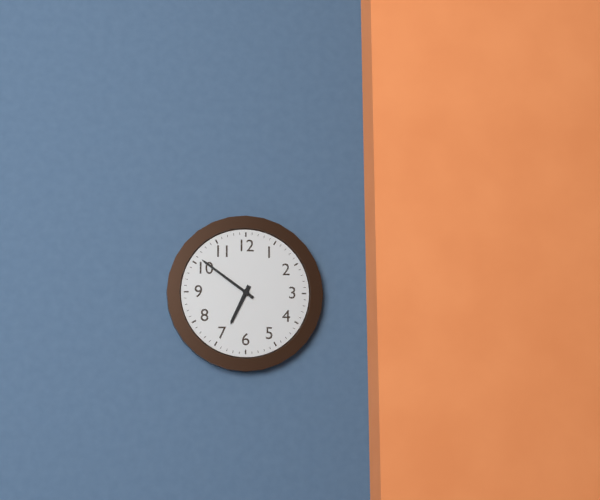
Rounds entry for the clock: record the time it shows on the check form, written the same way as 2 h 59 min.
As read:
6 h 51 min
